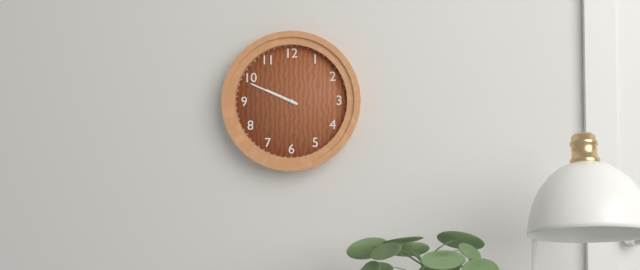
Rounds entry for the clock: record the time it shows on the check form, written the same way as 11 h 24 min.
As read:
9 h 49 min
